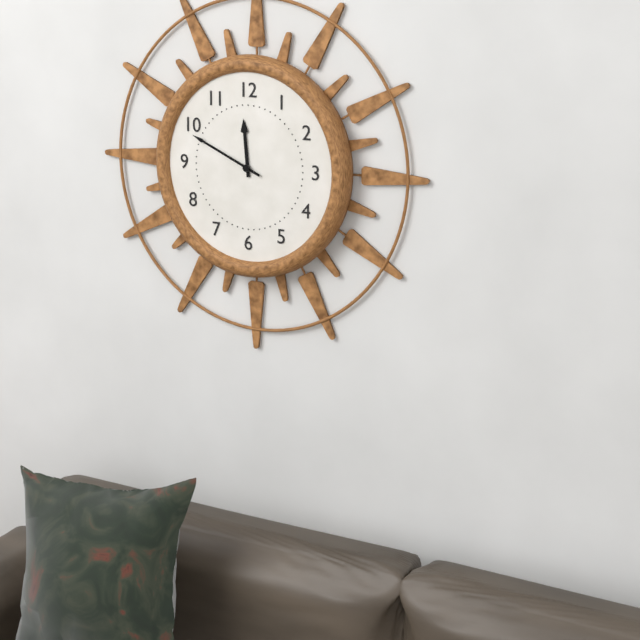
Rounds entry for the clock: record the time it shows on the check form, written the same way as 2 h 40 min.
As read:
11 h 49 min
